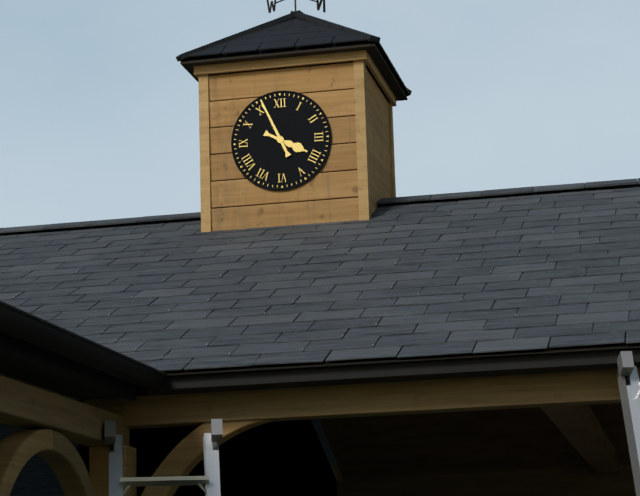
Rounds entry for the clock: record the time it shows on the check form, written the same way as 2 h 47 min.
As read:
3 h 56 min
